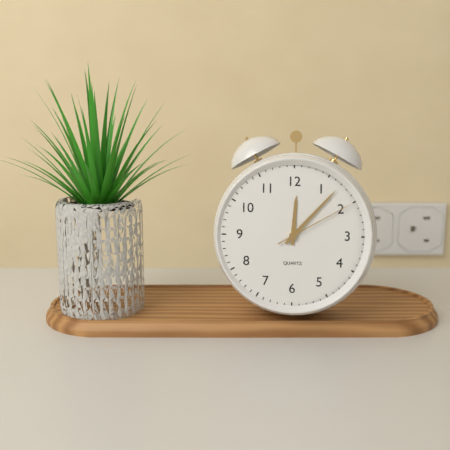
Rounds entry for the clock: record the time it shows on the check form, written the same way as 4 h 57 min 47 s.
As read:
12 h 07 min 10 s
